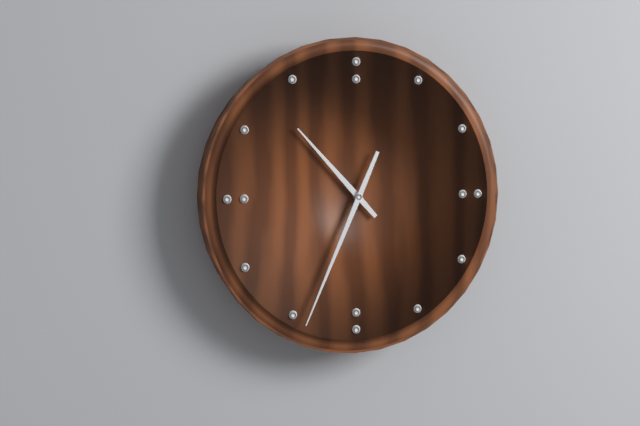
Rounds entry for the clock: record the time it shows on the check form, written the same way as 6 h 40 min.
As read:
10 h 34 min
